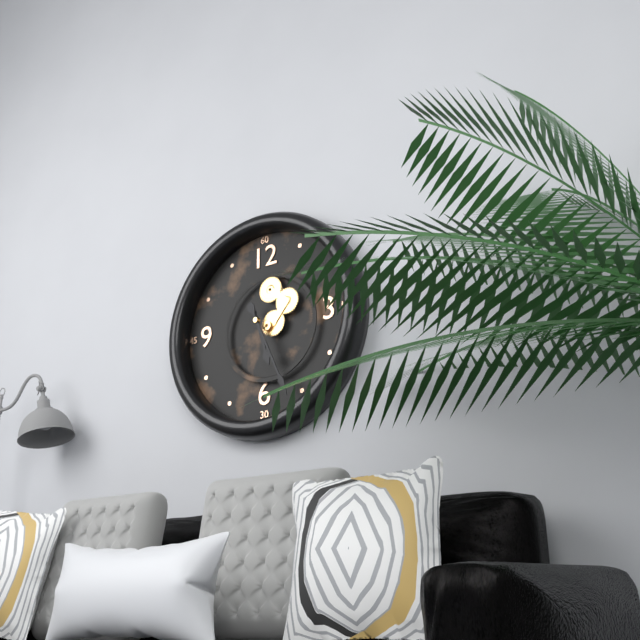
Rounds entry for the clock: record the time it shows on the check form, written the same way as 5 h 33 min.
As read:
5 h 26 min
